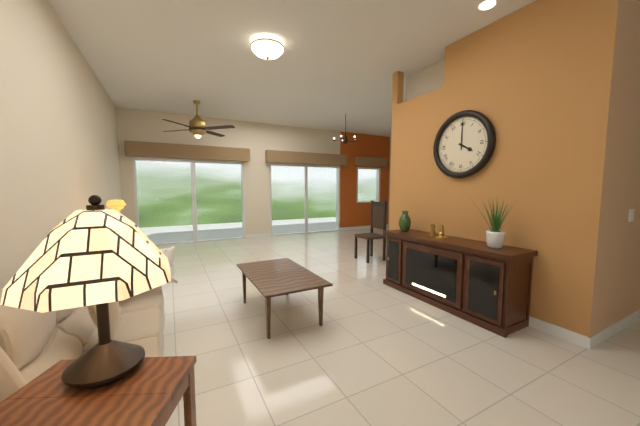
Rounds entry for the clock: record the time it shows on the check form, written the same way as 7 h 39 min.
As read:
4 h 00 min
